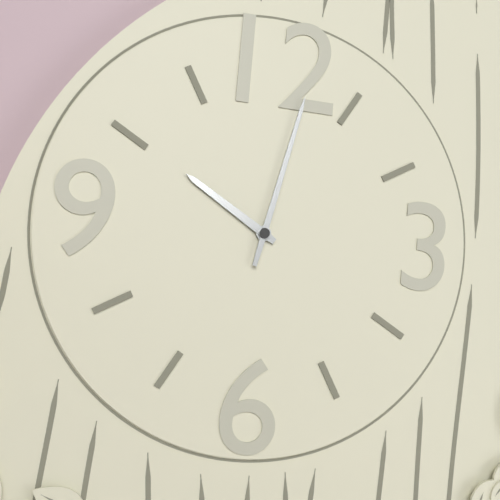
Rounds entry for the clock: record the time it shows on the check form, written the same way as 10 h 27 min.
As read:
10 h 02 min
